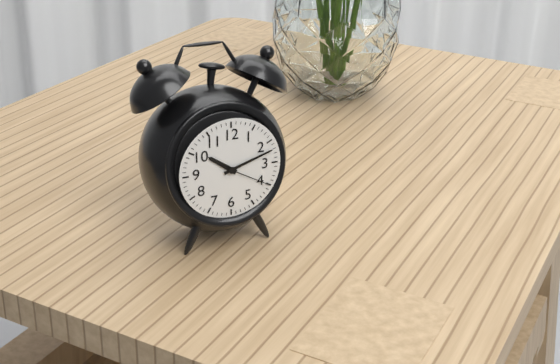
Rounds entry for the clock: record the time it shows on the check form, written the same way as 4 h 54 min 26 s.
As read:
10 h 12 min 20 s
